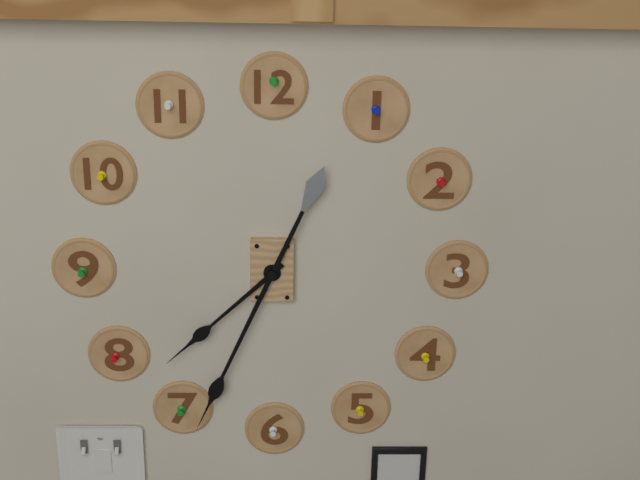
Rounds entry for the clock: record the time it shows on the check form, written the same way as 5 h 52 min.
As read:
7 h 34 min
